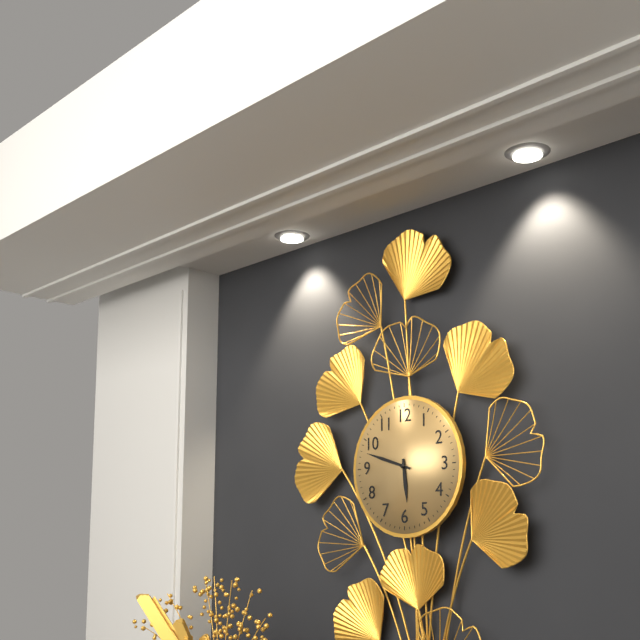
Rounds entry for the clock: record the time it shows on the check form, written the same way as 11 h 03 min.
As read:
5 h 48 min
